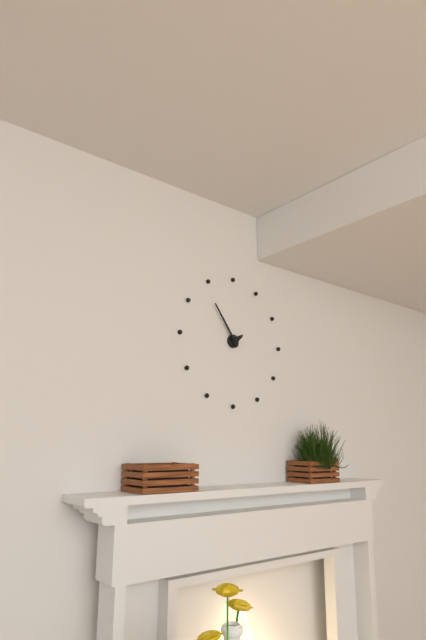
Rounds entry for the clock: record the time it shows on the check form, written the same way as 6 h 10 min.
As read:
1 h 54 min
